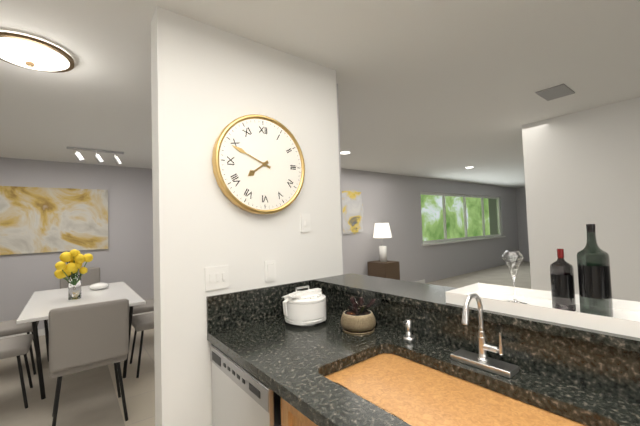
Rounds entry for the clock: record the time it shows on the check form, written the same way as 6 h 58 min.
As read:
7 h 49 min
